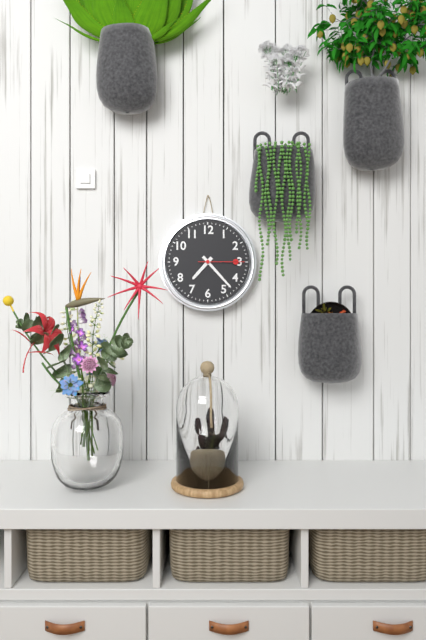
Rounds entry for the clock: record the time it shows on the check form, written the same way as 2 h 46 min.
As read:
7 h 23 min
